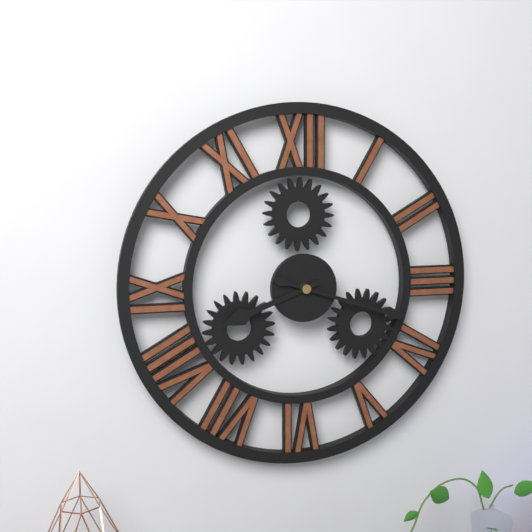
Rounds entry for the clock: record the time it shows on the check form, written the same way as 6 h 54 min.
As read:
8 h 18 min
